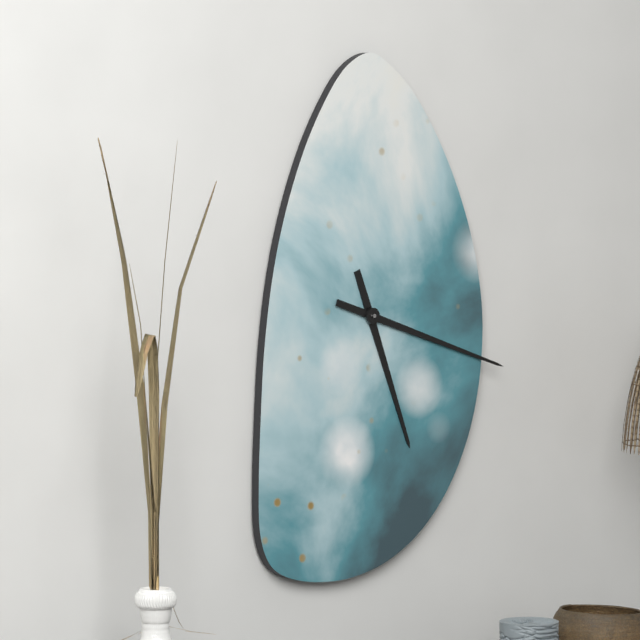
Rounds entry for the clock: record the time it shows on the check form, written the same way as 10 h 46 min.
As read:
5 h 18 min
